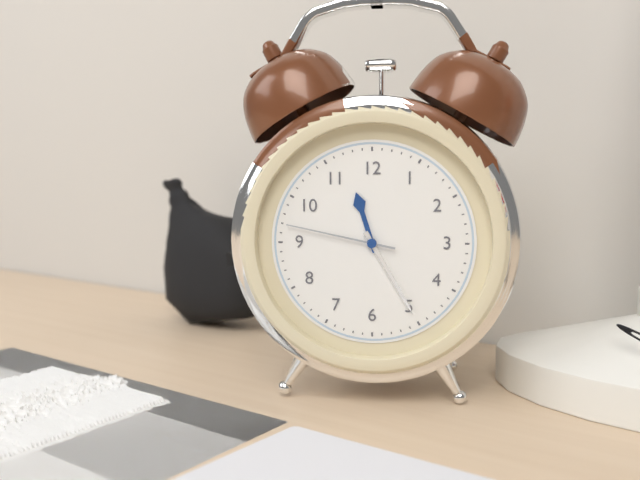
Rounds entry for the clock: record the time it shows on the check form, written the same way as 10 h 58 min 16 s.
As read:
11 h 25 min 47 s
